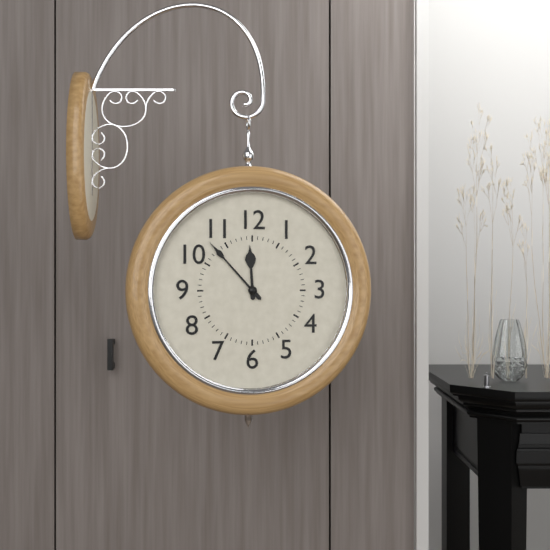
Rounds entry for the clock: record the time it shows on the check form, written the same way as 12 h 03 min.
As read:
11 h 53 min
